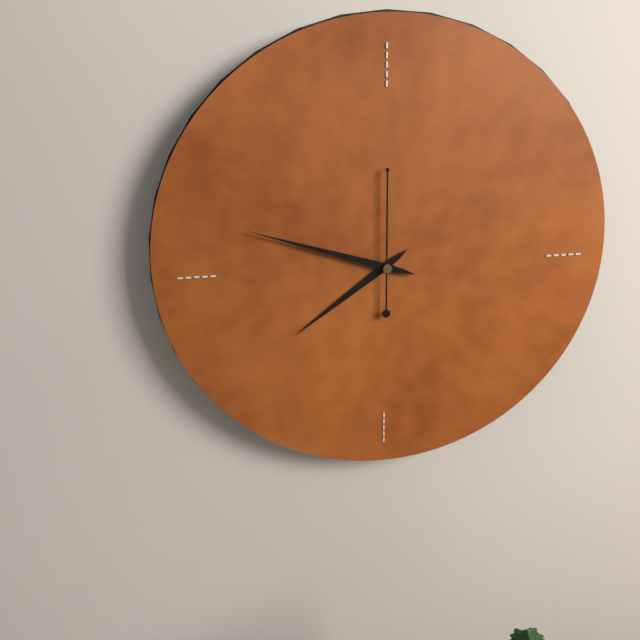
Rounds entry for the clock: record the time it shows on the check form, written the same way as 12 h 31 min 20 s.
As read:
7 h 48 min 00 s
